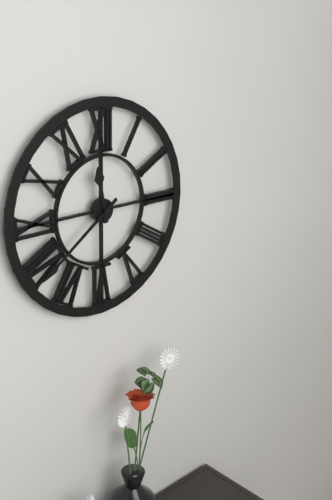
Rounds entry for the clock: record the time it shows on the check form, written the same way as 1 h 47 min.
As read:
11 h 39 min
